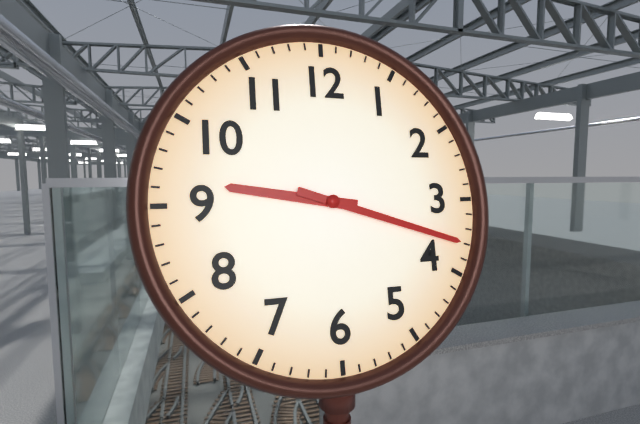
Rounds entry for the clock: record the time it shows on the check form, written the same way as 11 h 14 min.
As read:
9 h 18 min
